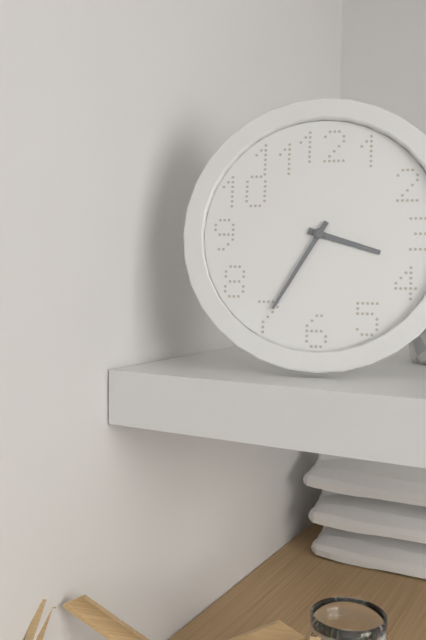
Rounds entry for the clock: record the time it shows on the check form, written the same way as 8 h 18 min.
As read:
3 h 35 min
